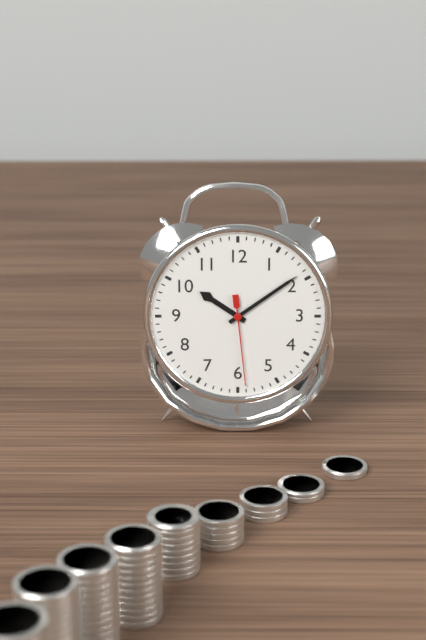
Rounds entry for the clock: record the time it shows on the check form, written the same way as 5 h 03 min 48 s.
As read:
10 h 09 min 29 s
